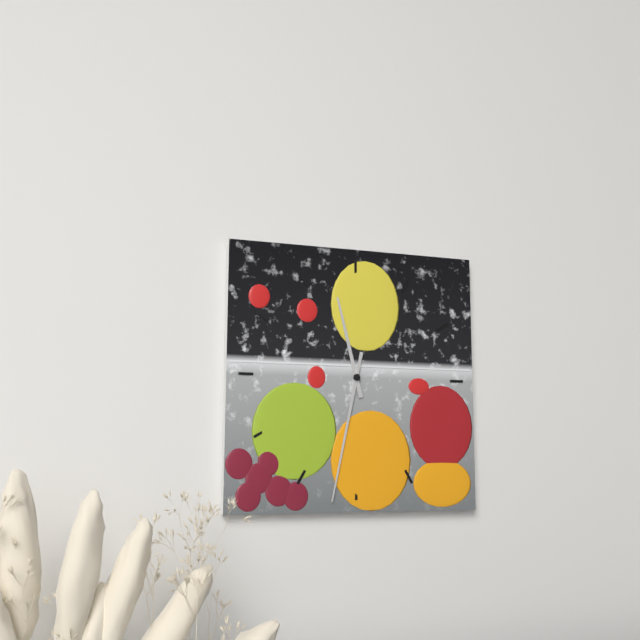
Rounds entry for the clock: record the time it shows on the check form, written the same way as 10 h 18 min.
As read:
11 h 32 min
